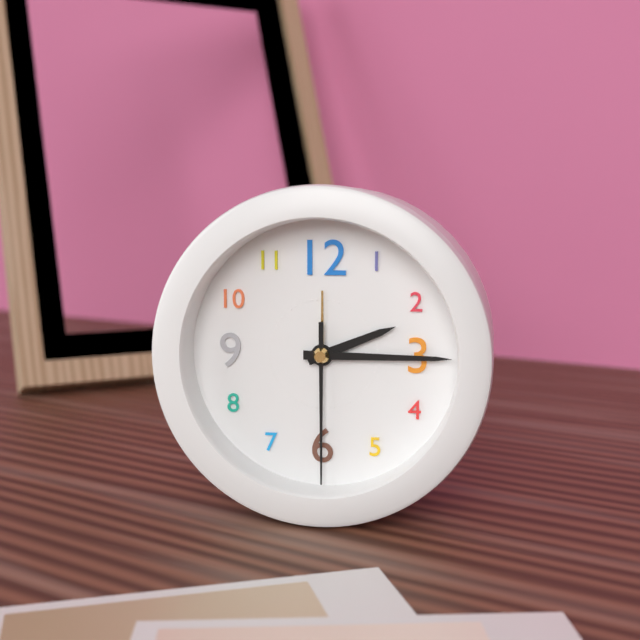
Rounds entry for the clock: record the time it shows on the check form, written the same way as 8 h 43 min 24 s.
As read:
2 h 15 min 30 s
